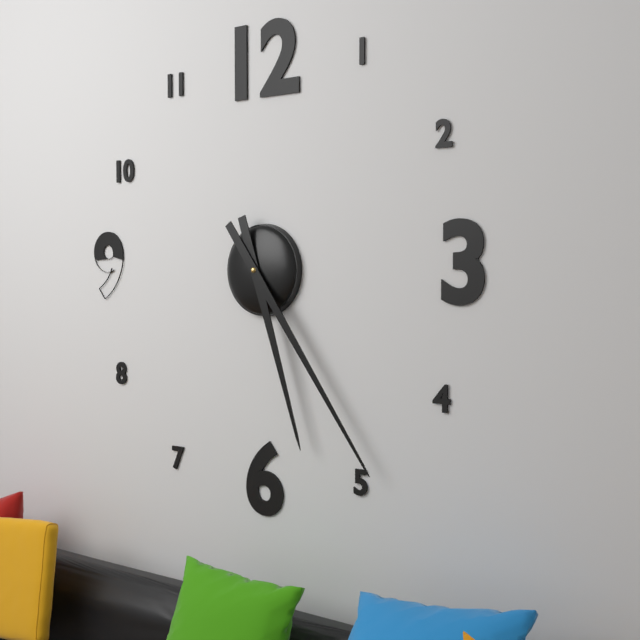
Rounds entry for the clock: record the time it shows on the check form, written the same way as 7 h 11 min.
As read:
5 h 24 min
